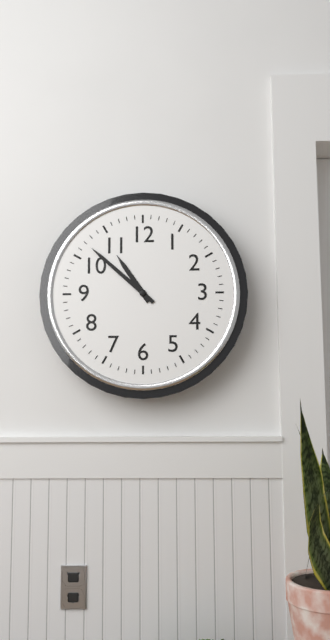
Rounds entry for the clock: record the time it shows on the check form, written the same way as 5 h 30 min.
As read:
10 h 52 min
